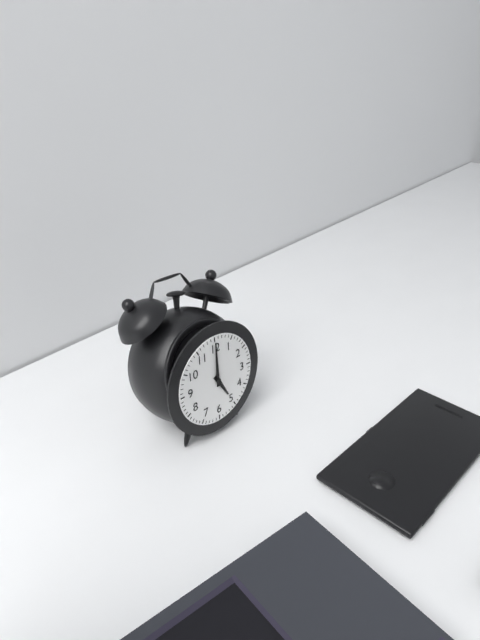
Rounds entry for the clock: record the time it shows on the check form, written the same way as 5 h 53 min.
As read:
5 h 00 min
